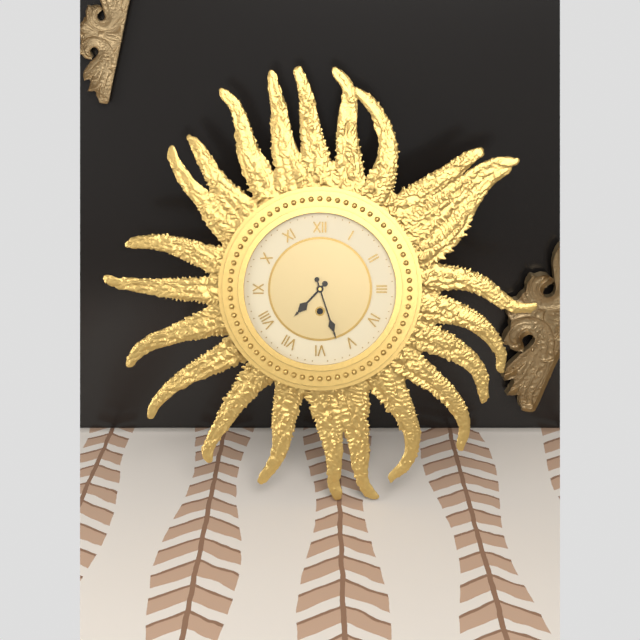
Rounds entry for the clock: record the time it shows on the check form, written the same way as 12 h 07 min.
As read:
7 h 27 min
